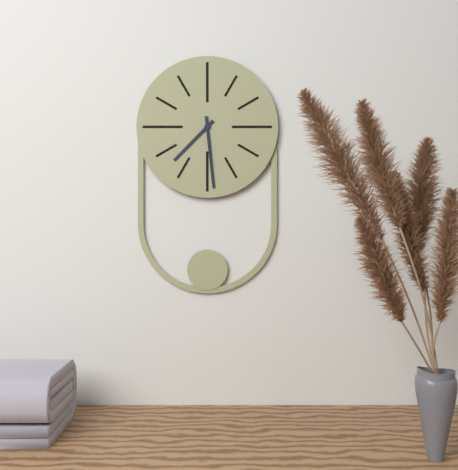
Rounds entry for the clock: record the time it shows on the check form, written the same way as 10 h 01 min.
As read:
7 h 29 min
